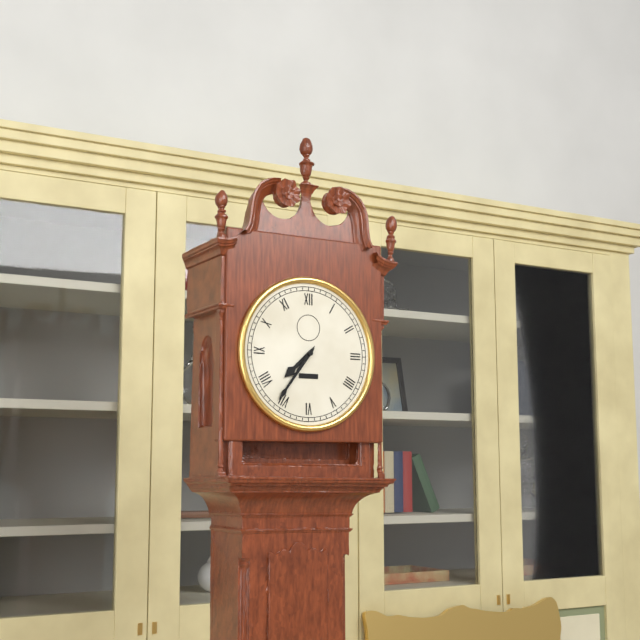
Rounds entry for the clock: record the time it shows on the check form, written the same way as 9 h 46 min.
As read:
7 h 36 min
